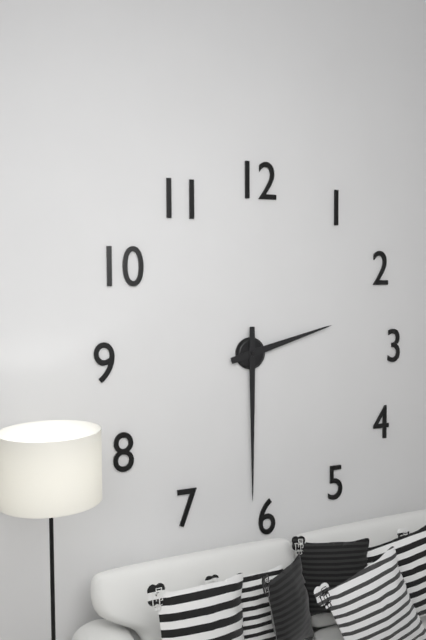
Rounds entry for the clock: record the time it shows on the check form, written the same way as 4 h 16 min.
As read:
2 h 30 min
